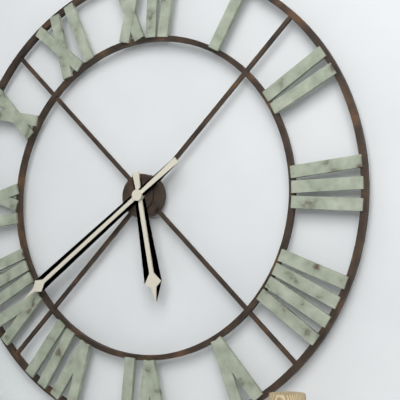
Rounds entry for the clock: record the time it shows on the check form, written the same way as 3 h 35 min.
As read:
5 h 39 min
